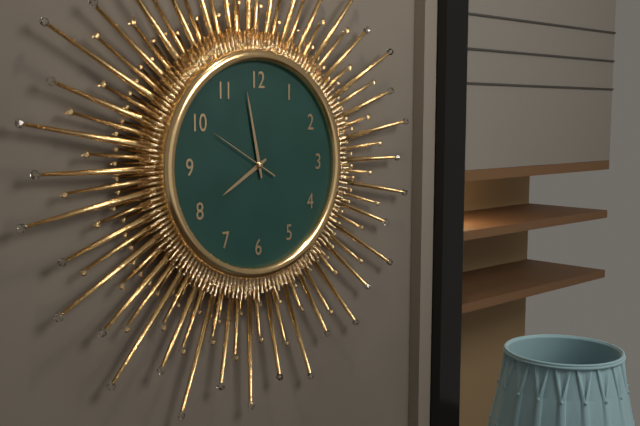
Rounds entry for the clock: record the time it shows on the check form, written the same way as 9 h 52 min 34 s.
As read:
7 h 58 min 50 s
